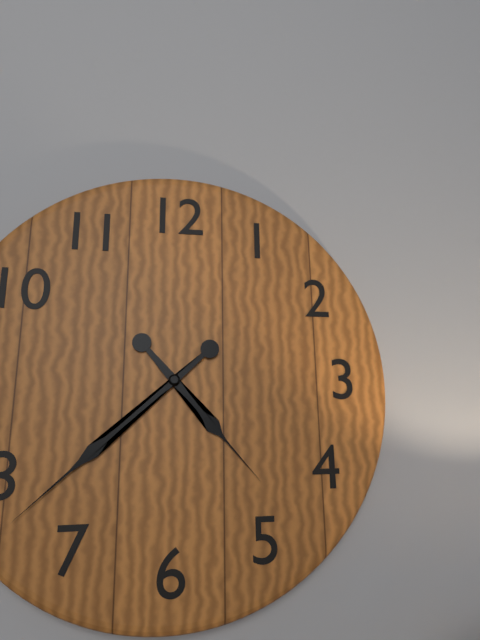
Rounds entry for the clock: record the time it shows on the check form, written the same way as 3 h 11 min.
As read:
4 h 38 min
